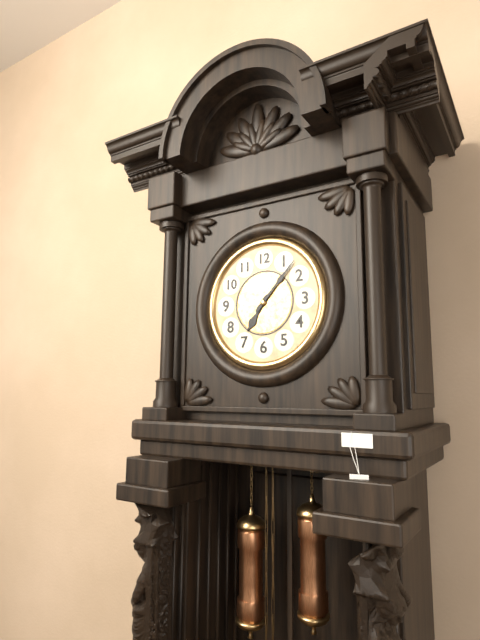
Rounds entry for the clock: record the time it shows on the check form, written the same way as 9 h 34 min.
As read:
7 h 07 min
